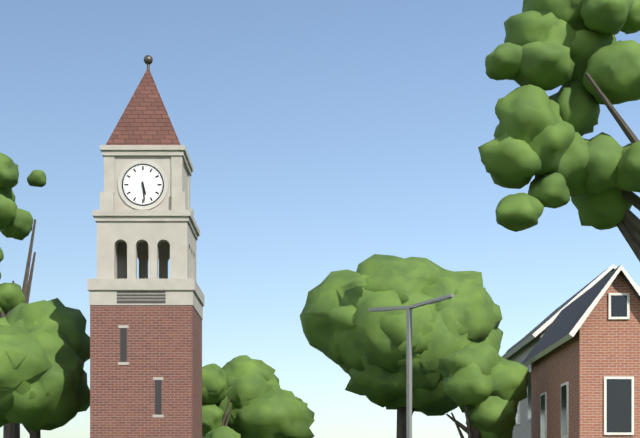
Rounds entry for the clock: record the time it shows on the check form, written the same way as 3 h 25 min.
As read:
5 h 29 min
